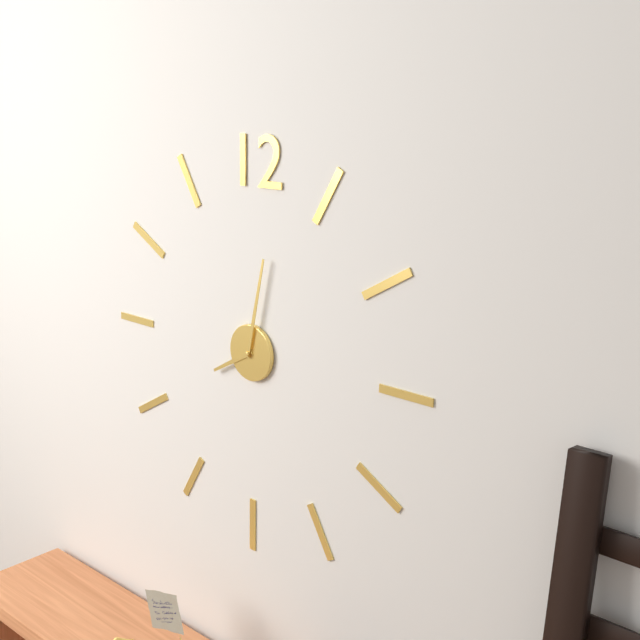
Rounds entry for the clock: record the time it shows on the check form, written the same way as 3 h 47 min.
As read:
8 h 02 min
